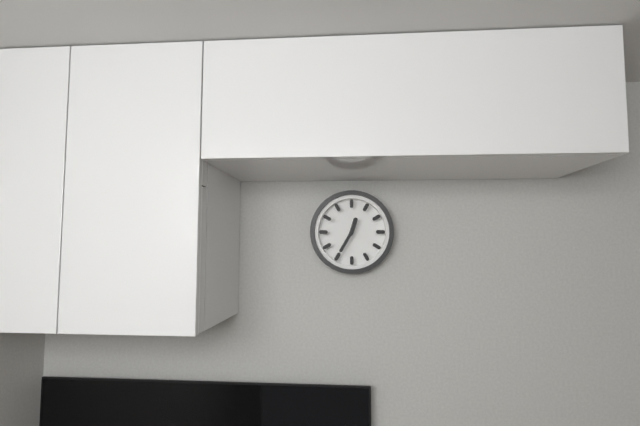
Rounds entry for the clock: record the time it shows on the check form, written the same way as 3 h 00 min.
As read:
12 h 35 min
